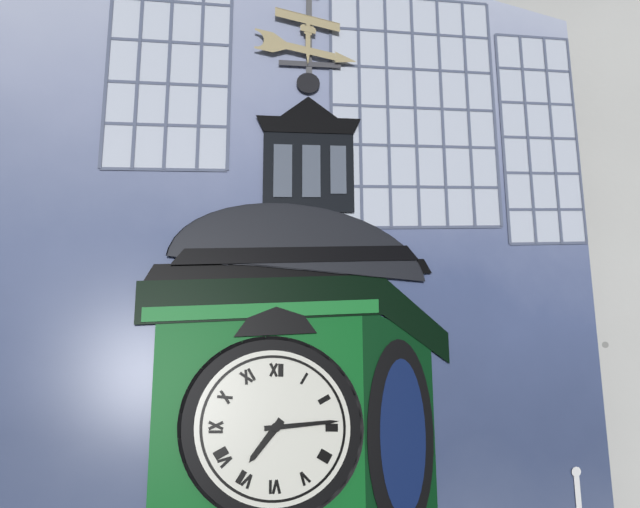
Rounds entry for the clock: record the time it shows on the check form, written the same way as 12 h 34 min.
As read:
7 h 14 min
